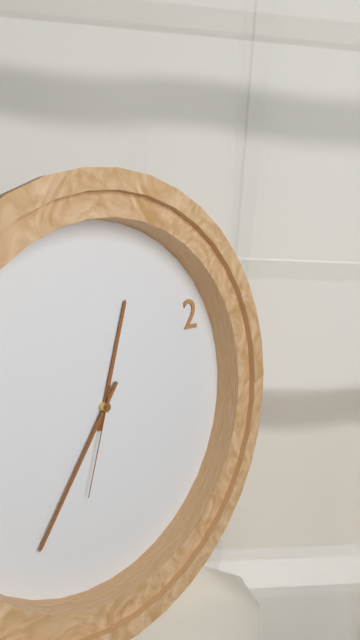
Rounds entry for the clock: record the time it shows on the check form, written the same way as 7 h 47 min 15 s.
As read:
12 h 36 min 33 s
